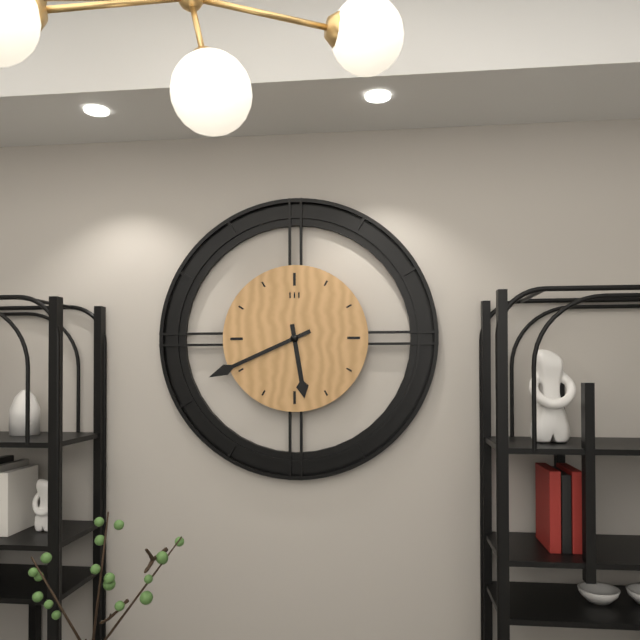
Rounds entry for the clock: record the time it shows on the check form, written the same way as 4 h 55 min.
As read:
5 h 41 min
